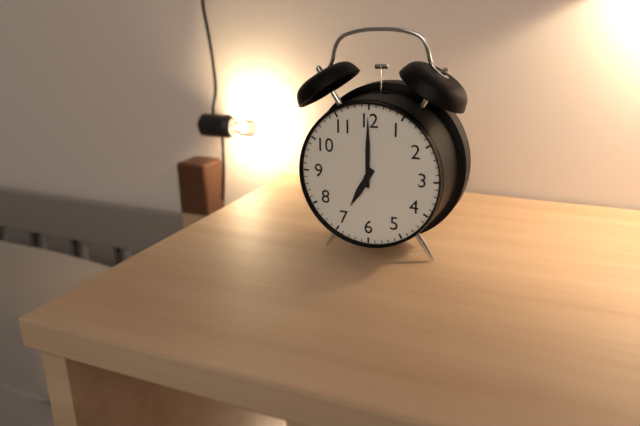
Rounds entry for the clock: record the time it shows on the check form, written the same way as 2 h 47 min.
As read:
7 h 00 min
